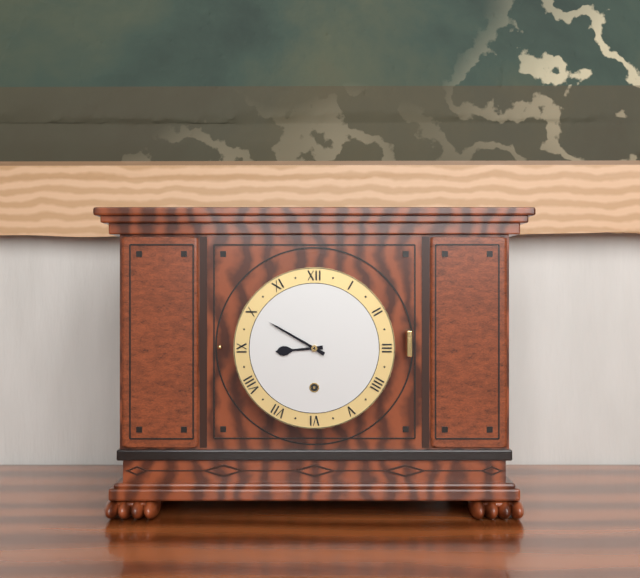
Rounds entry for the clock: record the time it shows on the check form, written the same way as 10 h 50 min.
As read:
8 h 50 min
